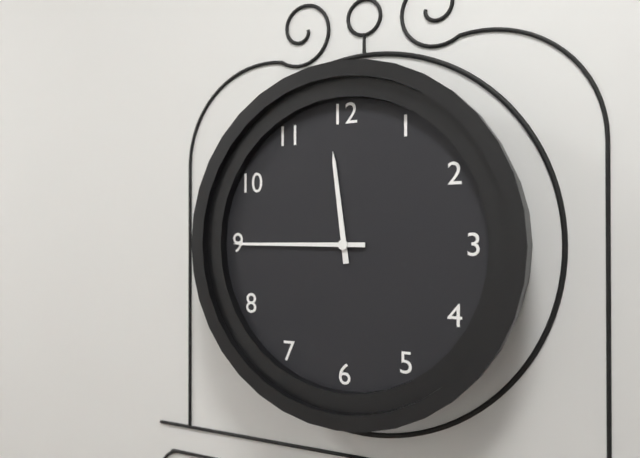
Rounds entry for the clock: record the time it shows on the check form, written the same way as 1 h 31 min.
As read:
11 h 45 min
